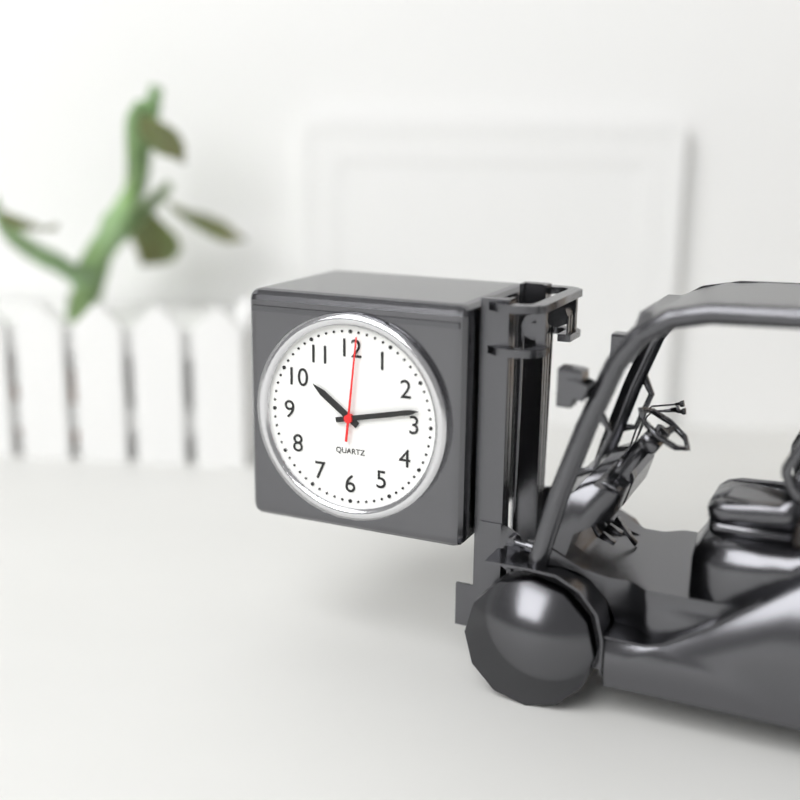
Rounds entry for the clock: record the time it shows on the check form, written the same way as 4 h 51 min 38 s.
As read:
10 h 13 min 01 s
